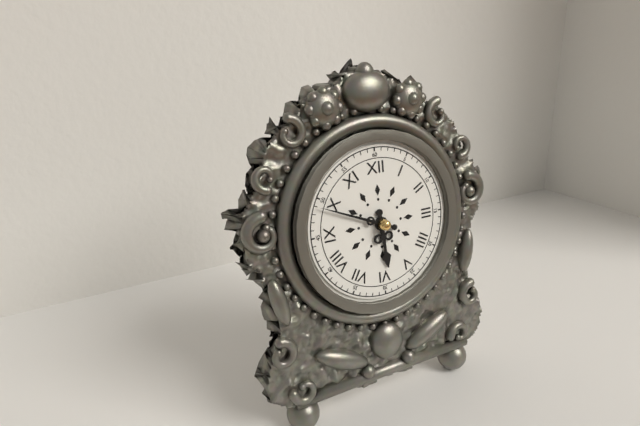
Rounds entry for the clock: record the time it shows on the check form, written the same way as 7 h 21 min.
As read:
5 h 49 min
